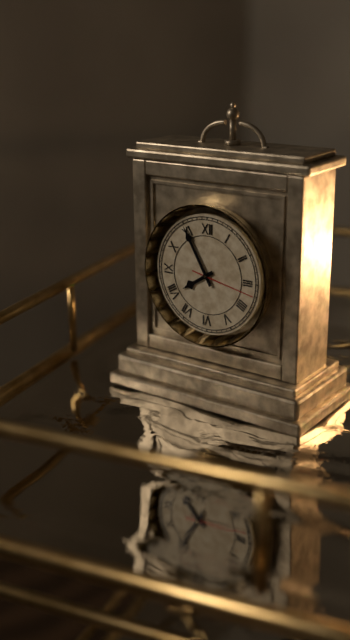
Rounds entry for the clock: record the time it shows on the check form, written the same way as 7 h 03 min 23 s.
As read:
7 h 55 min 17 s
